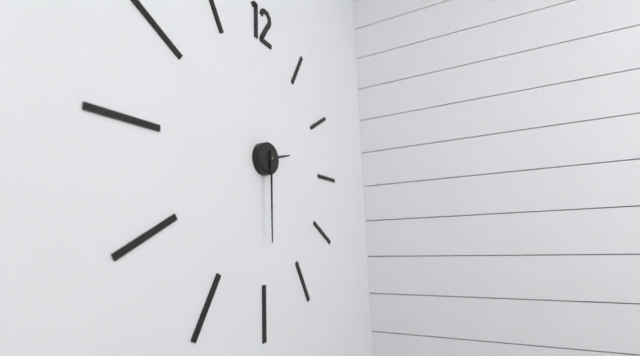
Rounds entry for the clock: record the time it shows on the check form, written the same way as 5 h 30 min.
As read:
2 h 30 min
